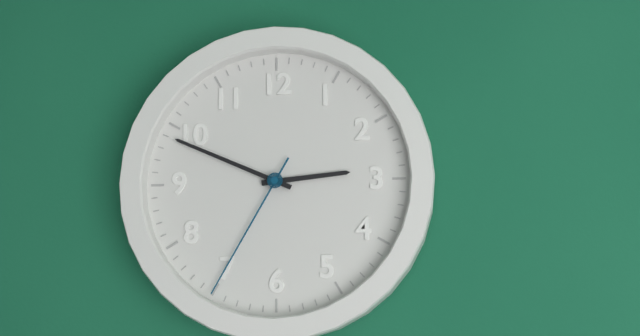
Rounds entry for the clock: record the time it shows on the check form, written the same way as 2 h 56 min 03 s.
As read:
2 h 49 min 35 s
